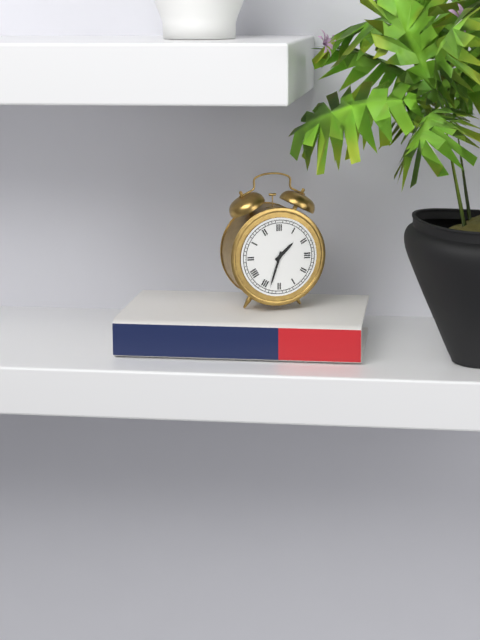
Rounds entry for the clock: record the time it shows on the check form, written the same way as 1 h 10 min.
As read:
1 h 33 min
